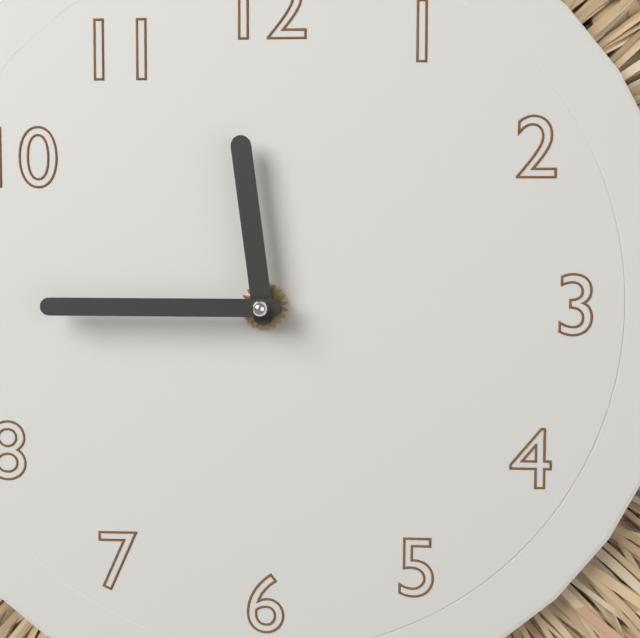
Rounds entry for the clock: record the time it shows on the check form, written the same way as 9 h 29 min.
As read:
11 h 45 min
